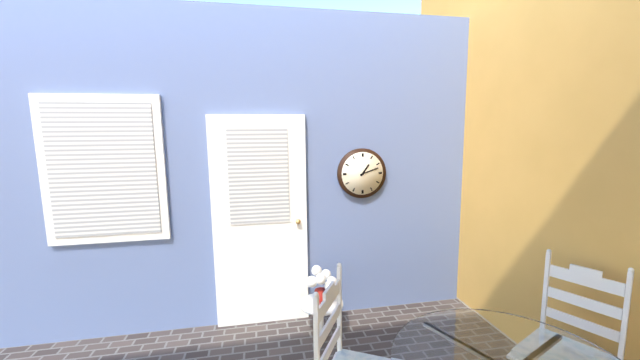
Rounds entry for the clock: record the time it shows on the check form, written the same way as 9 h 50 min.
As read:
1 h 12 min
